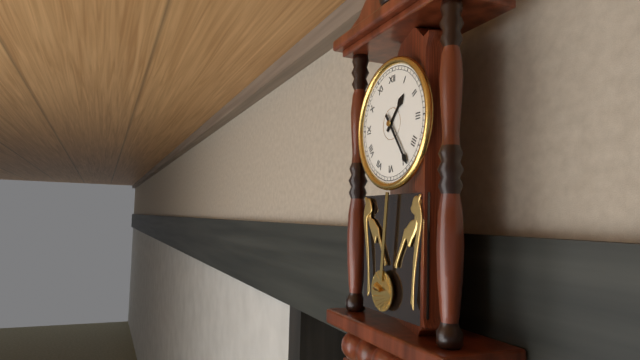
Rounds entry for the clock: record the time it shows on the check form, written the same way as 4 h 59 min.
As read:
1 h 24 min
